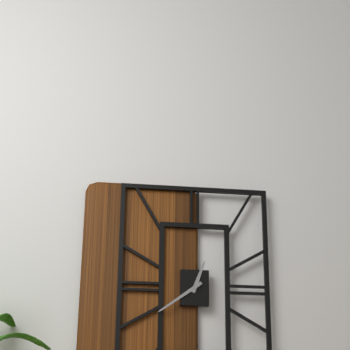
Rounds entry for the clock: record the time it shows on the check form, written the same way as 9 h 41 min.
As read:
12 h 39 min
